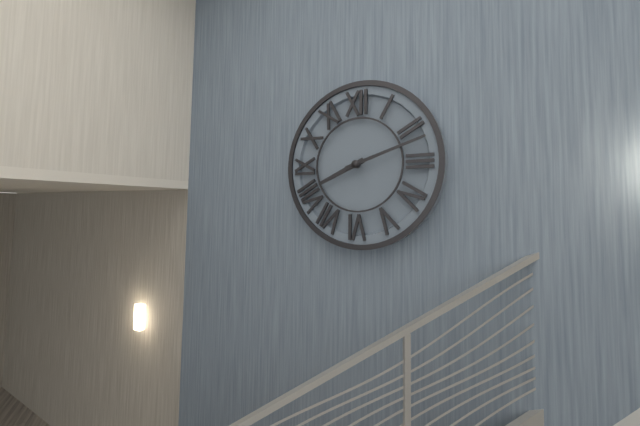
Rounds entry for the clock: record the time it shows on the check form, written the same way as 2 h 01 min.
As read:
8 h 12 min
